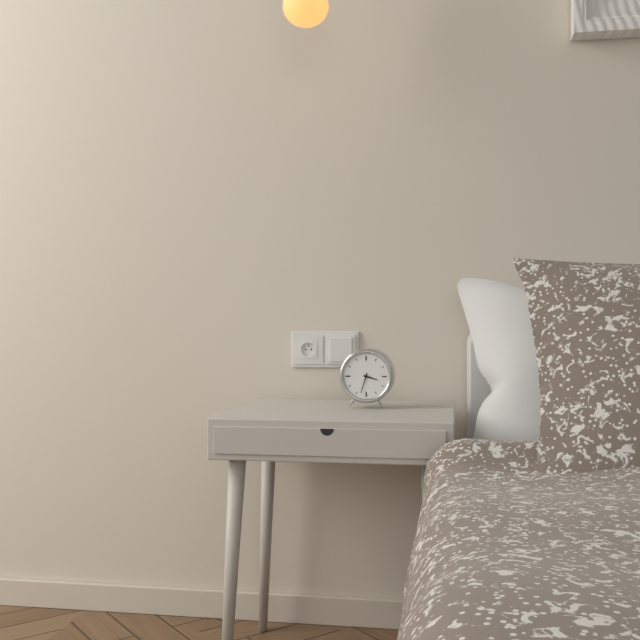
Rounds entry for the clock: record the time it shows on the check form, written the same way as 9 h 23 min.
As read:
3 h 33 min
